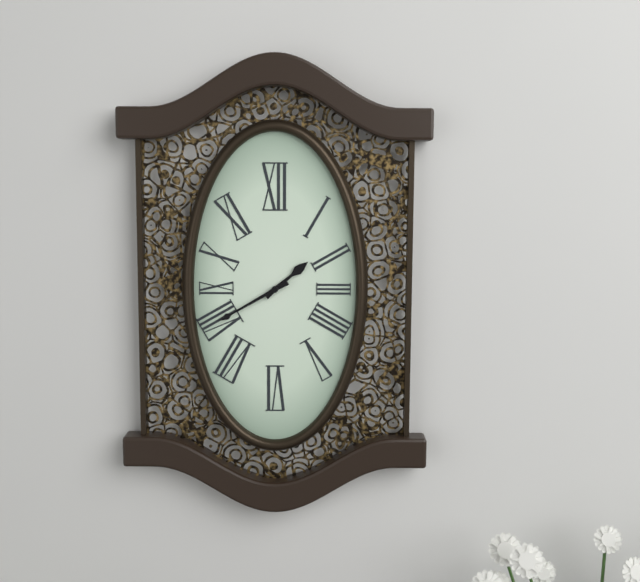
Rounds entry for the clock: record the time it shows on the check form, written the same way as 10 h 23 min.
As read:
1 h 40 min
